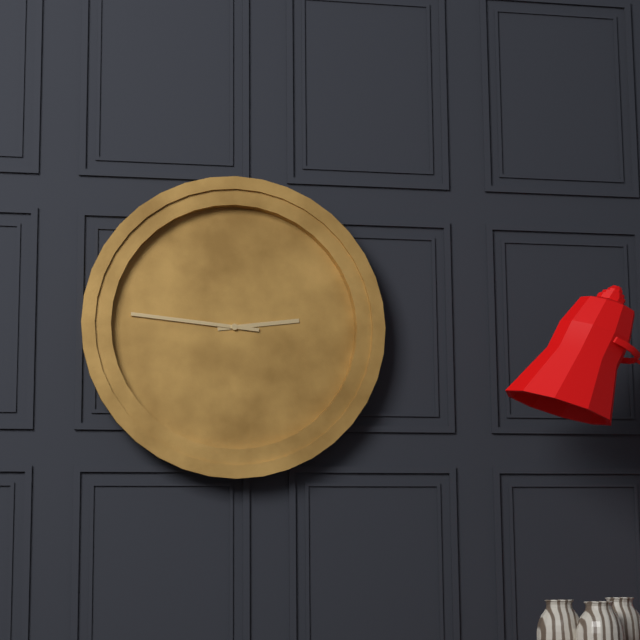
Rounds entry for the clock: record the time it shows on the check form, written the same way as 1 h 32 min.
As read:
2 h 46 min
